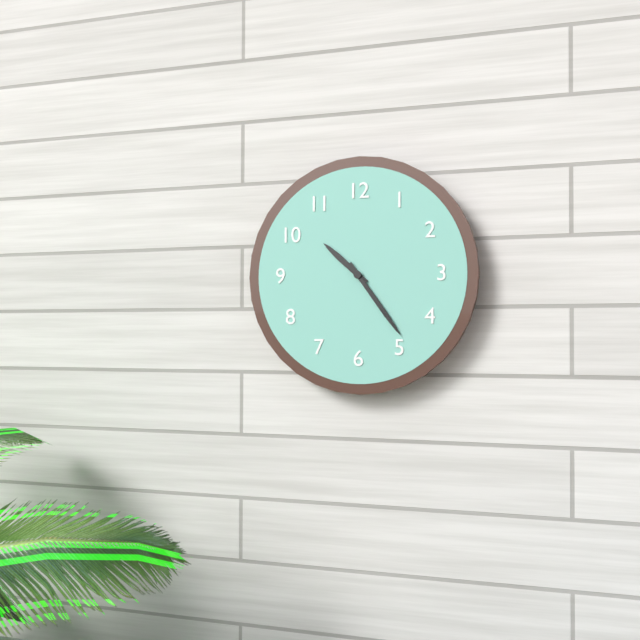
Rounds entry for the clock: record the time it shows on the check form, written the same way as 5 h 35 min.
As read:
10 h 24 min
